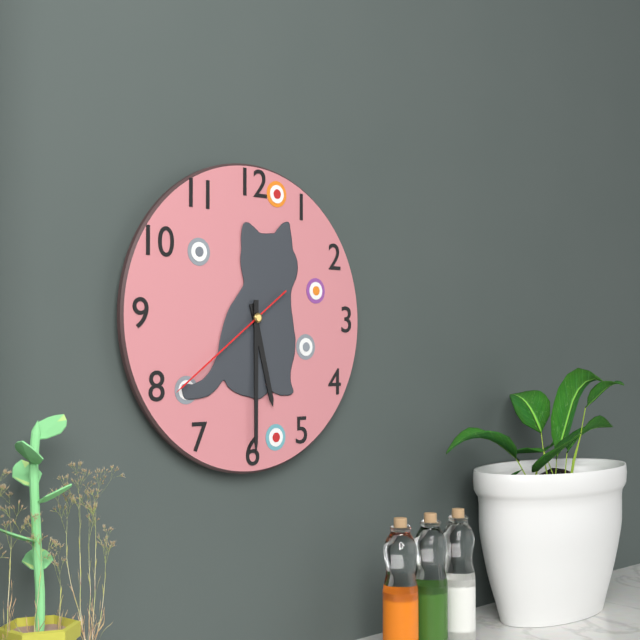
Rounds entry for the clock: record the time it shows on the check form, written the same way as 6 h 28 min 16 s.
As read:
5 h 30 min 39 s
